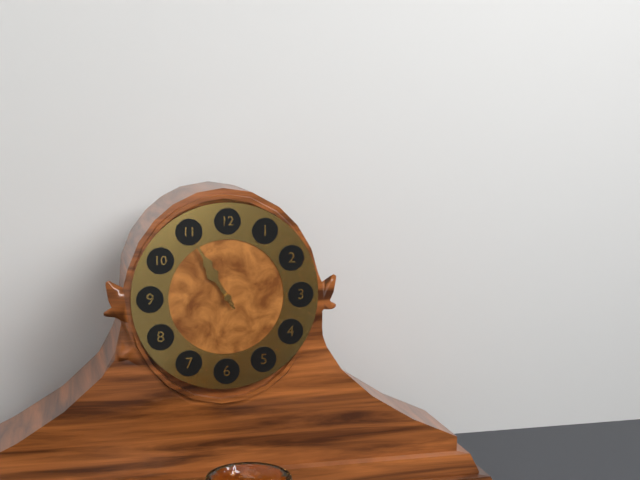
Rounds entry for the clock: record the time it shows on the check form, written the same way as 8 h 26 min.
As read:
10 h 55 min
